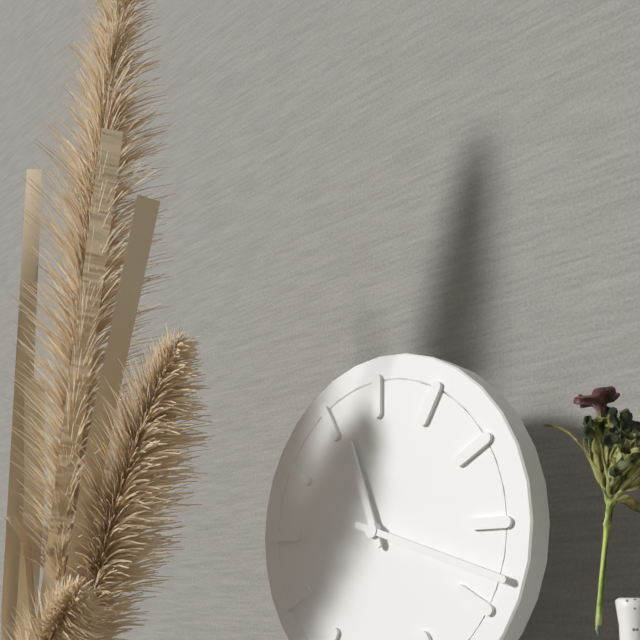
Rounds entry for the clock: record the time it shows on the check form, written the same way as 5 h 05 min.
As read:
11 h 18 min
